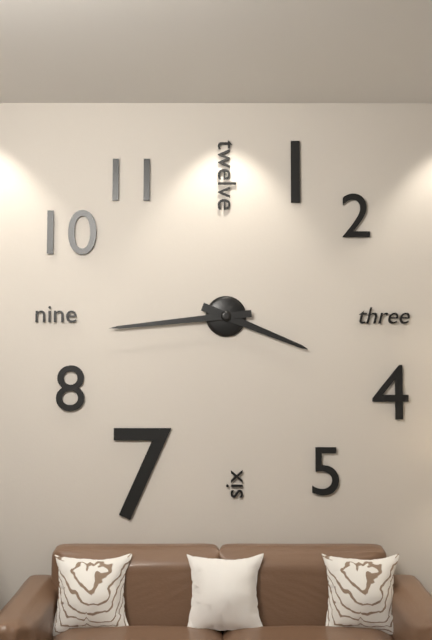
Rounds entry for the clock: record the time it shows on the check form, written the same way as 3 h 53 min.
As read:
3 h 44 min
